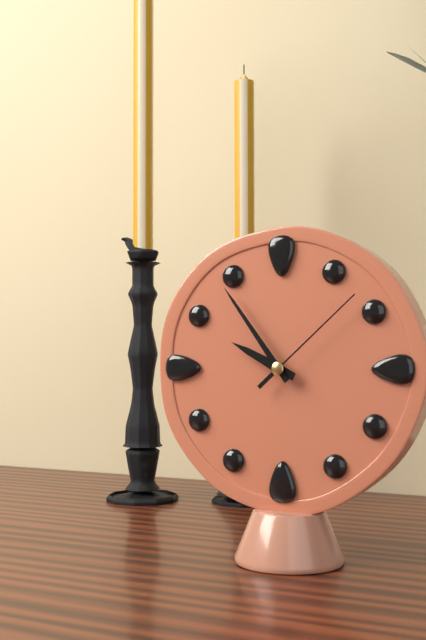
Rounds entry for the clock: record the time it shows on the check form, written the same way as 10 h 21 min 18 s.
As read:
9 h 54 min 08 s
